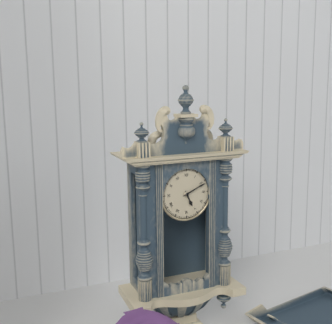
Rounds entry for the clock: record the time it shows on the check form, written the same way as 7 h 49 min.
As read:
5 h 11 min
